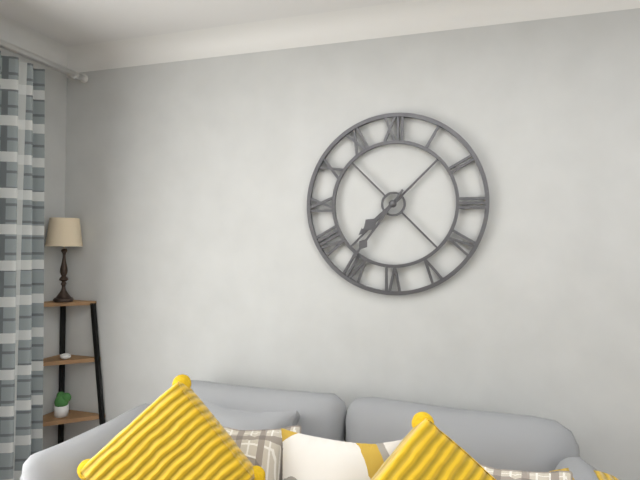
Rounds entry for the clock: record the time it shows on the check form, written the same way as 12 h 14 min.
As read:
7 h 36 min
